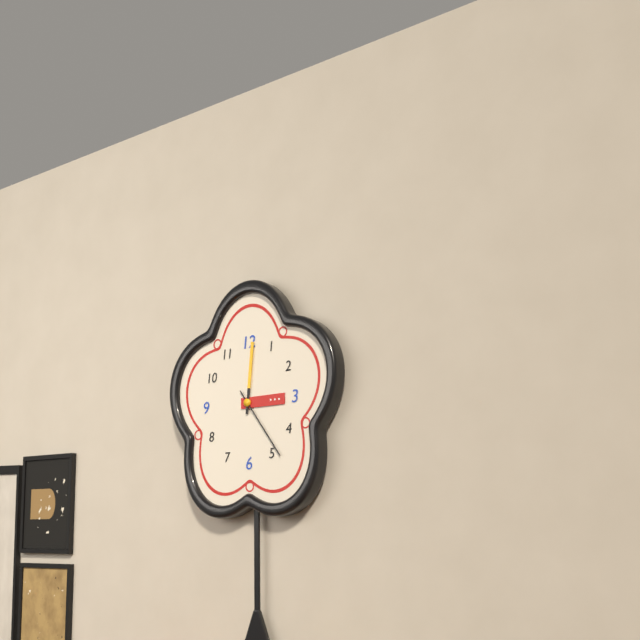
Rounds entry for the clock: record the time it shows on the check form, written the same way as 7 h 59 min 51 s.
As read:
3 h 01 min 24 s
